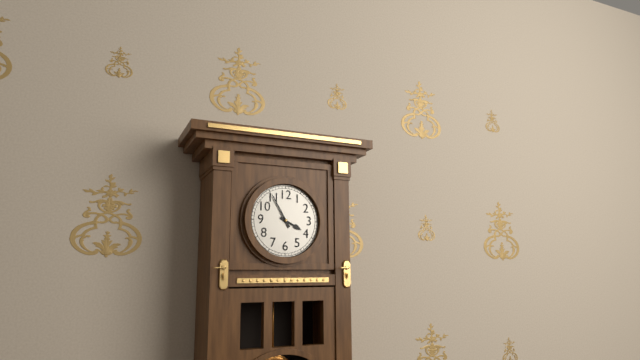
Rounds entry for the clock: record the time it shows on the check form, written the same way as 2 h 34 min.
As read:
3 h 55 min
